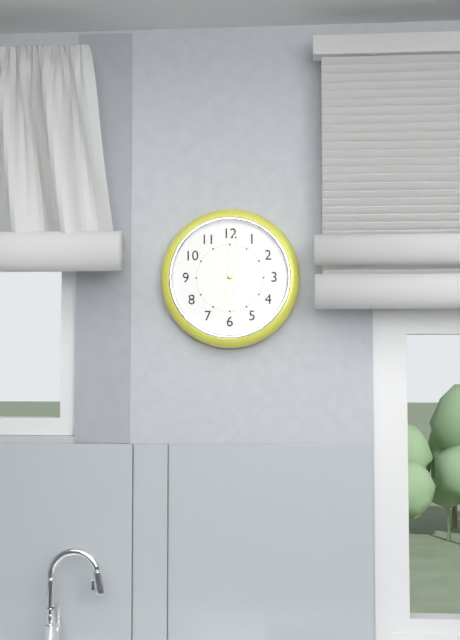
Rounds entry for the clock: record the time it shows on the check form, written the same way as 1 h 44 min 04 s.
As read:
6 h 01 min 02 s
